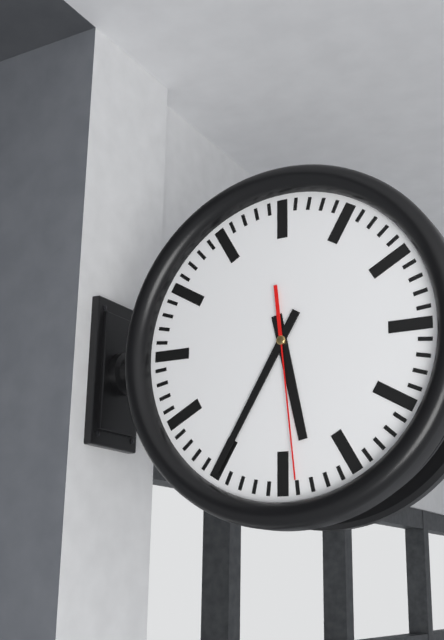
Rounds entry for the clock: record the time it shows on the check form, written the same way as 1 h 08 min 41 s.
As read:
5 h 35 min 29 s
